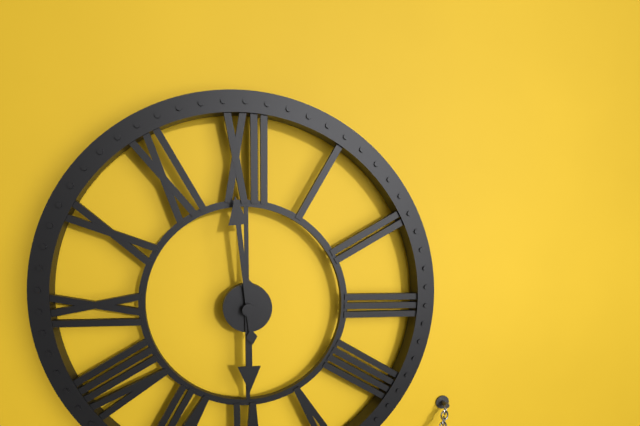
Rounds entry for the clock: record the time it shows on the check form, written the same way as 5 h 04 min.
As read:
5 h 59 min
